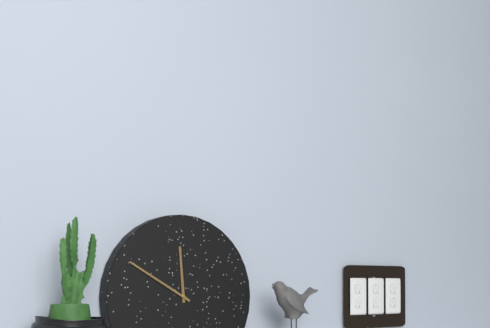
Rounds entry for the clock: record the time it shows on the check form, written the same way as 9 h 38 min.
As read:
11 h 50 min
